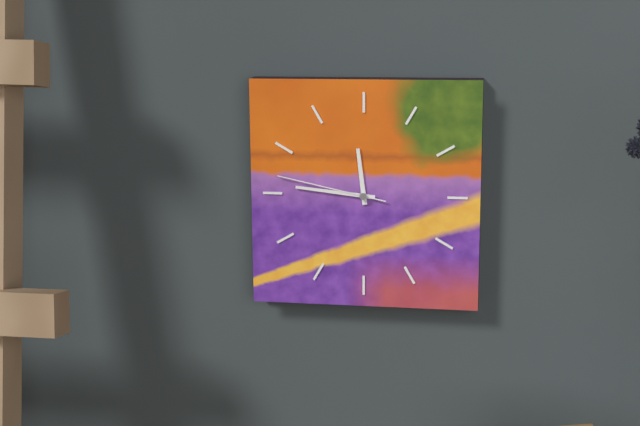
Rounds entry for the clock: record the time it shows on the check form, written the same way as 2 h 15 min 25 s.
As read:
11 h 46 min 47 s
